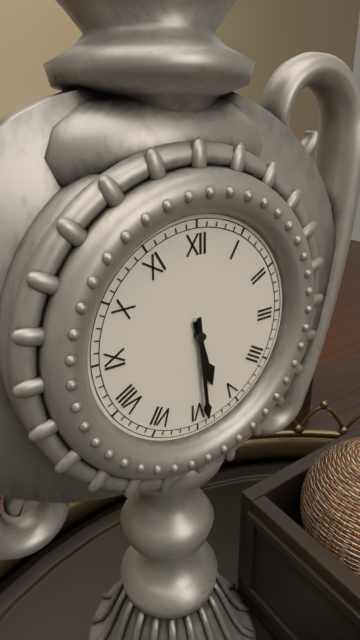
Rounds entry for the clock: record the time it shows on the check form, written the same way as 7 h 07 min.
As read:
5 h 29 min
